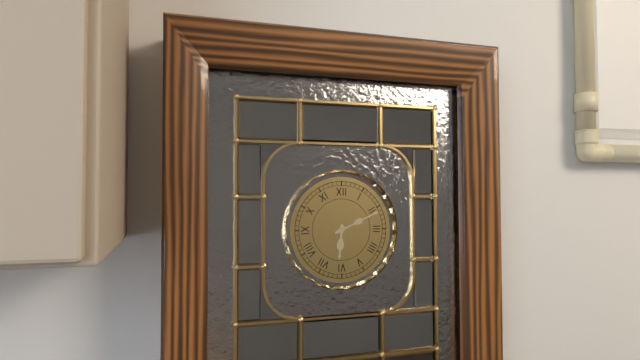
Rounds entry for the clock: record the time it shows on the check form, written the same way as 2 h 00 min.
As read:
6 h 11 min
